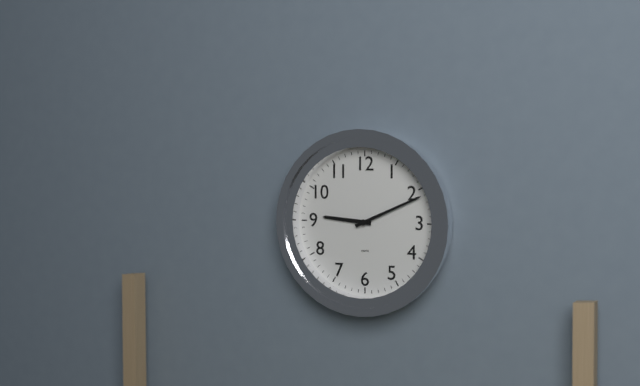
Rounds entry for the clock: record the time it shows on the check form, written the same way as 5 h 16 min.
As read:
9 h 11 min
